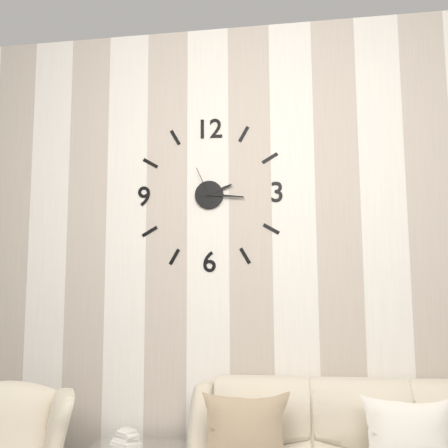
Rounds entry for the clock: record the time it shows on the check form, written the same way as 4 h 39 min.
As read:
2 h 16 min
